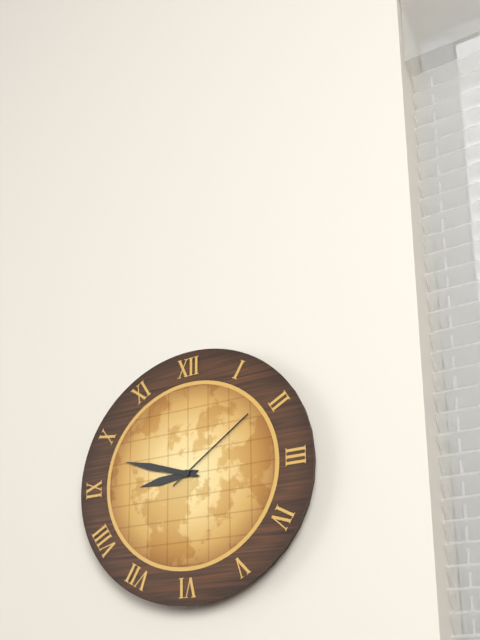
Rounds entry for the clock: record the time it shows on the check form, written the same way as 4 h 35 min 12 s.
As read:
8 h 48 min 09 s
